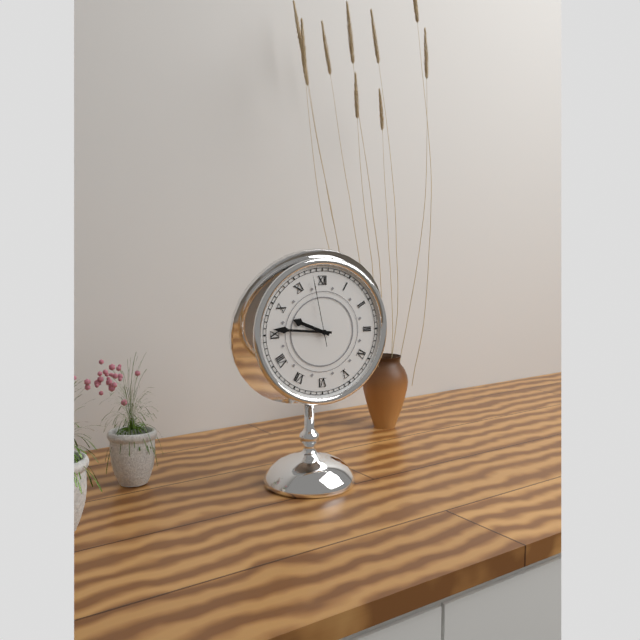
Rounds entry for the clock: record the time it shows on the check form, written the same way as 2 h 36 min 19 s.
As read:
9 h 46 min 58 s
